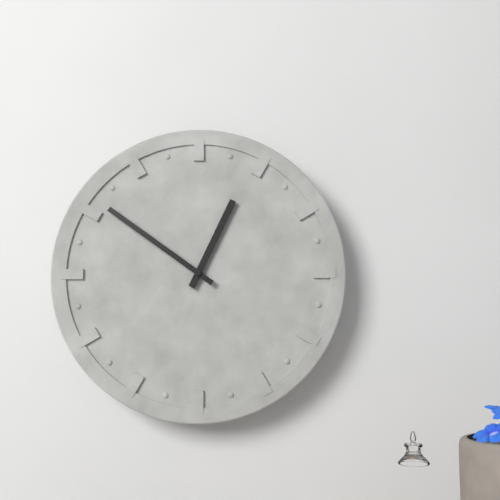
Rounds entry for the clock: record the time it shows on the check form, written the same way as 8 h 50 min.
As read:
12 h 51 min
